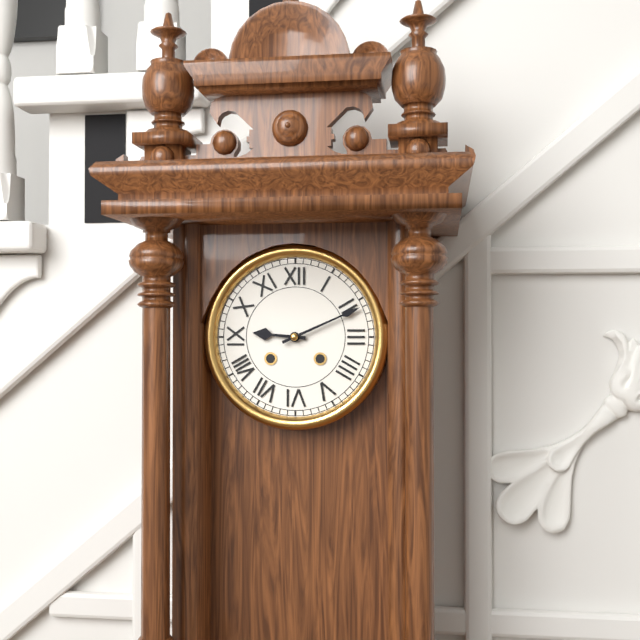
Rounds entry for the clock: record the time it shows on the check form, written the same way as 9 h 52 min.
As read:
9 h 11 min
